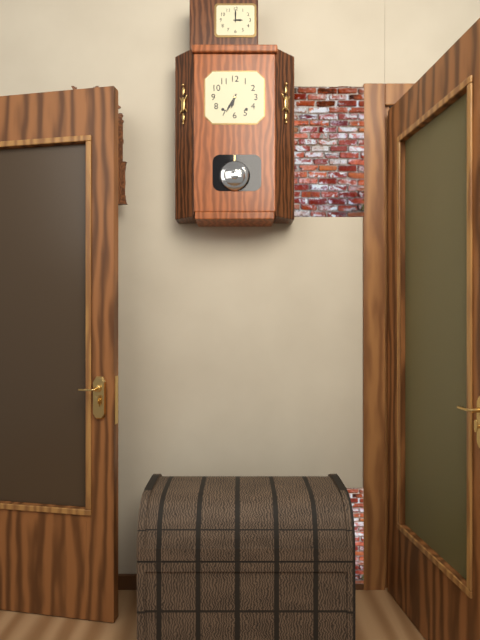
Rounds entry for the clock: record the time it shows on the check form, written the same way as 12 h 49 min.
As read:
6 h 35 min
